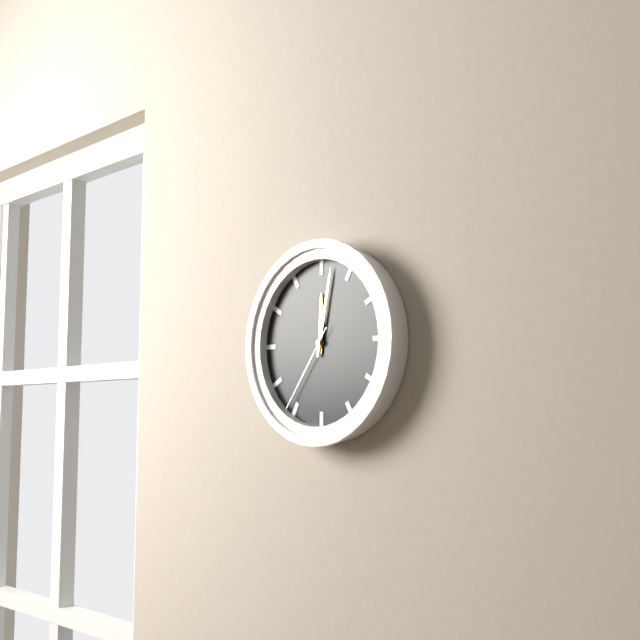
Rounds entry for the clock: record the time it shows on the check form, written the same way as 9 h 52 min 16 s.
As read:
12 h 02 min 36 s
